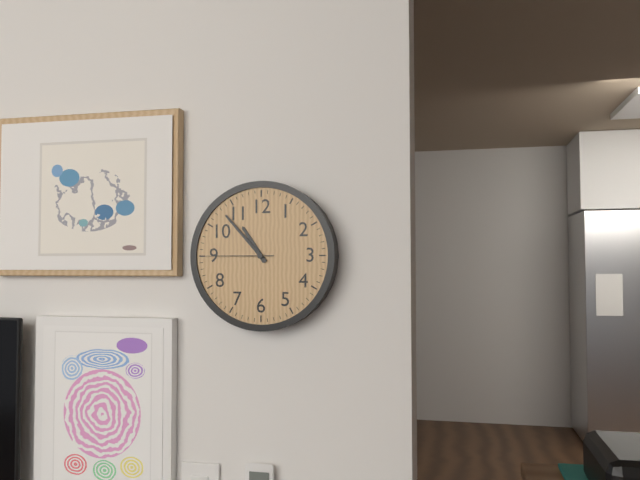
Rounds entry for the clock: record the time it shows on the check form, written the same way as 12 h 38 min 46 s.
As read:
10 h 53 min 45 s
